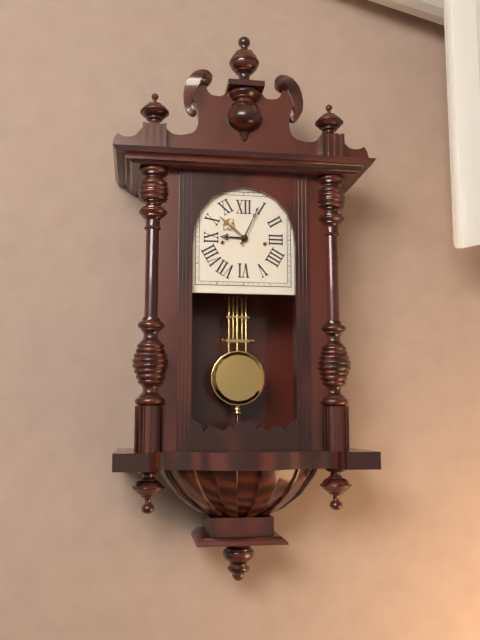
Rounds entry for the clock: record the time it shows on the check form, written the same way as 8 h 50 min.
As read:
9 h 04 min
